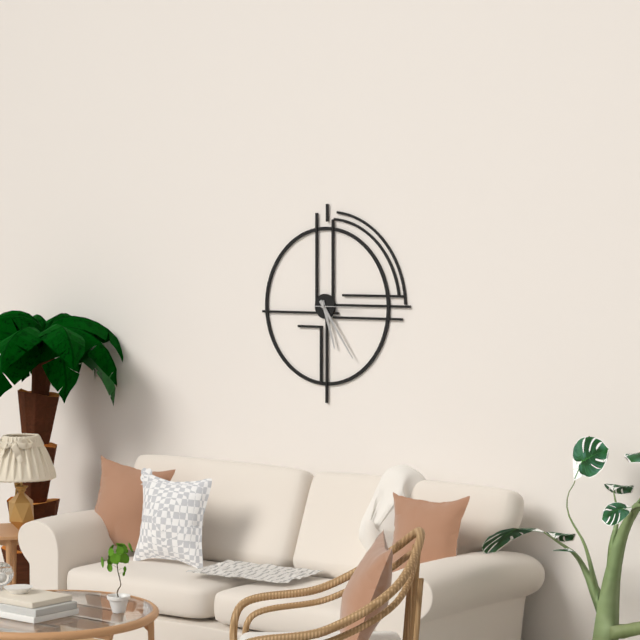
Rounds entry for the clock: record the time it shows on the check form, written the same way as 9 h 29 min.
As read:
5 h 24 min
